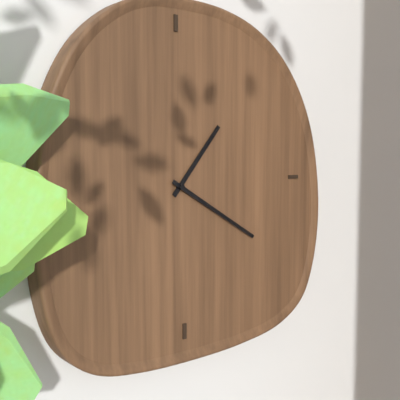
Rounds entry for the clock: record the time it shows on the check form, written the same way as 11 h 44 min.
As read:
1 h 20 min
